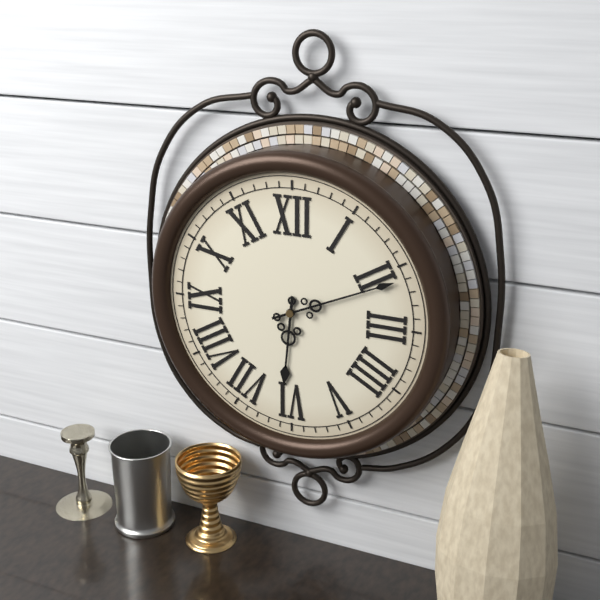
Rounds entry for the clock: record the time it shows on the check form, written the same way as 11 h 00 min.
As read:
6 h 11 min
